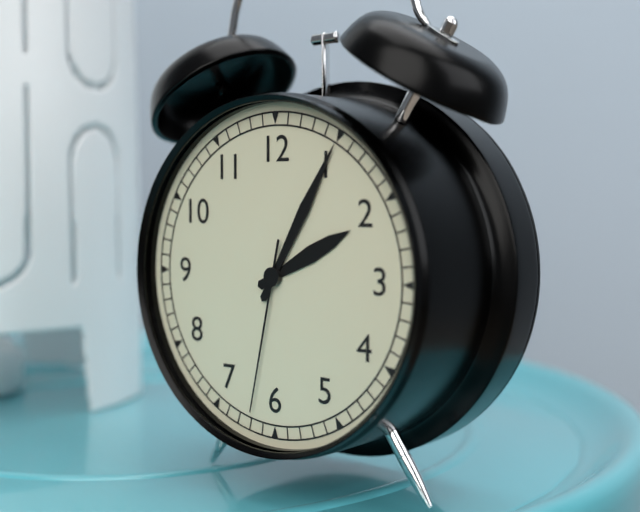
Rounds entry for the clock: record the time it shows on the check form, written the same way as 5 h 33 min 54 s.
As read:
2 h 05 min 32 s
